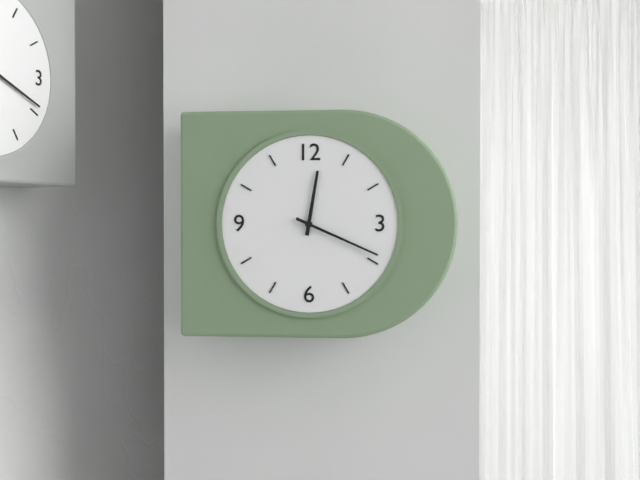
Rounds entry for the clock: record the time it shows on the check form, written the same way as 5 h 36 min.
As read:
12 h 19 min
